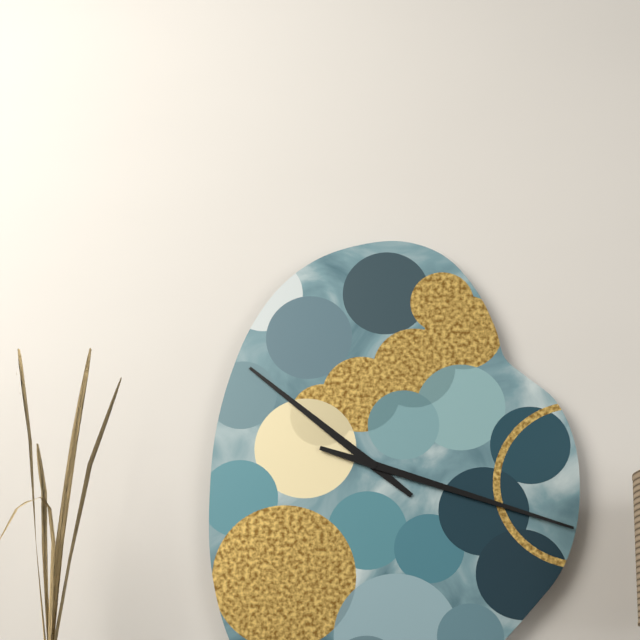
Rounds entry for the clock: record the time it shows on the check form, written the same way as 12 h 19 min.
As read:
10 h 18 min
